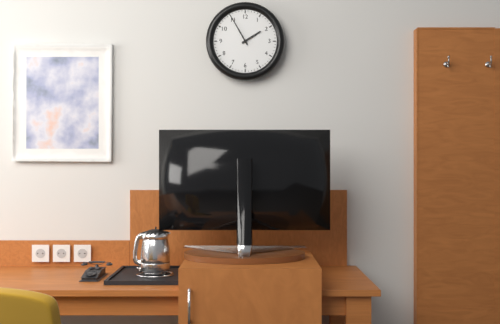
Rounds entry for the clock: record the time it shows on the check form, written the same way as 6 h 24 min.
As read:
1 h 55 min
